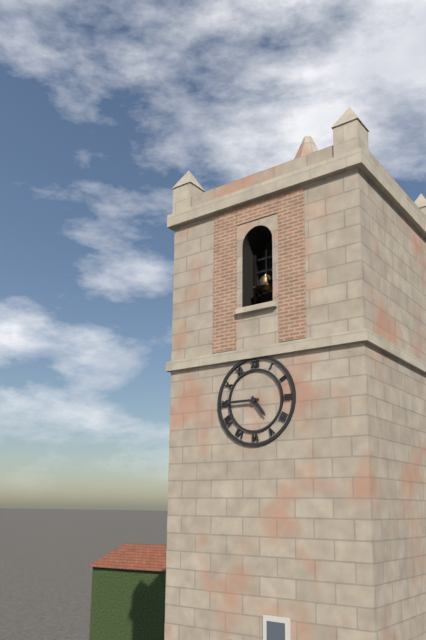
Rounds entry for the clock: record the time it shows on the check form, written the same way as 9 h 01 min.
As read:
4 h 45 min
